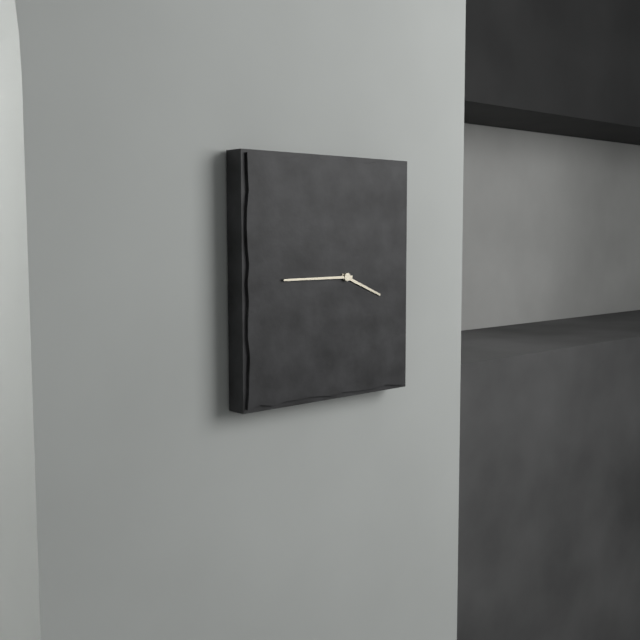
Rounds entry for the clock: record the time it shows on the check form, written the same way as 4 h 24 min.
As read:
3 h 45 min
